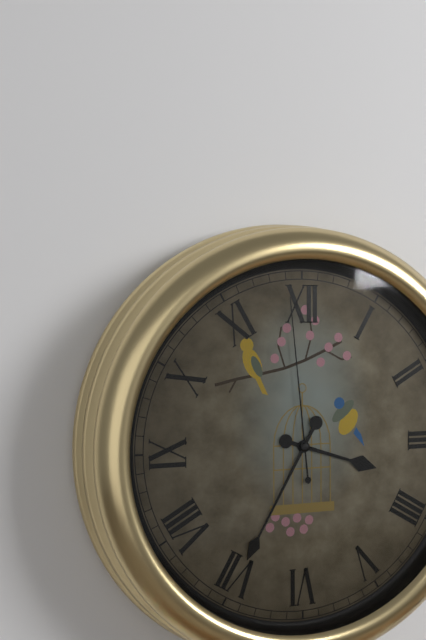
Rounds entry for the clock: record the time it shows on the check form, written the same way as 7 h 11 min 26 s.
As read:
3 h 35 min 59 s
